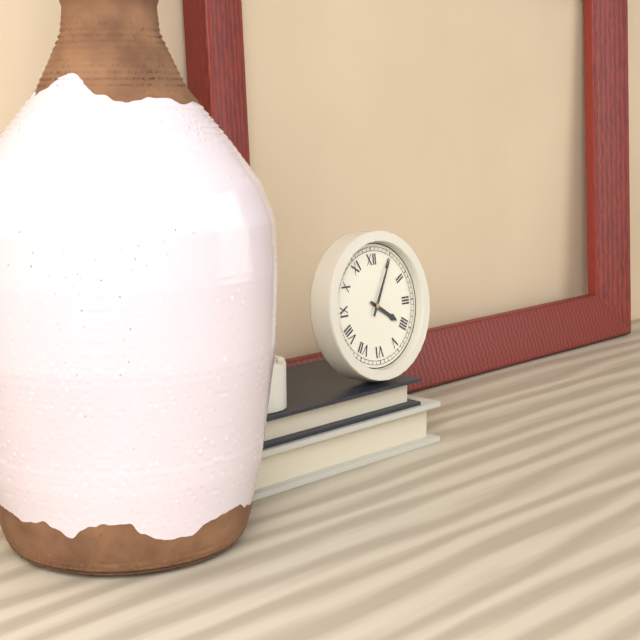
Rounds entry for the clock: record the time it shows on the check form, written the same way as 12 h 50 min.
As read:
4 h 05 min
